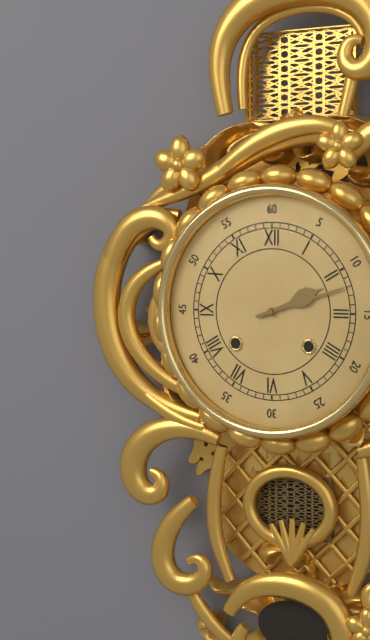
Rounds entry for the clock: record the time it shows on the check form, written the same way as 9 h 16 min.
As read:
2 h 12 min
